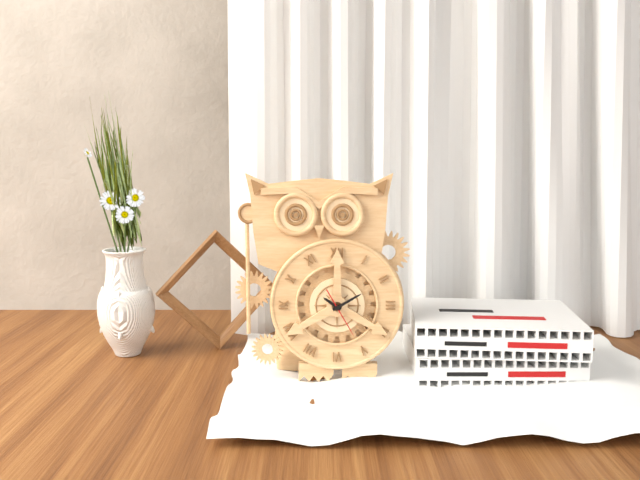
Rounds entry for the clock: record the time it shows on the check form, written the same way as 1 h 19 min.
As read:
10 h 10 min
